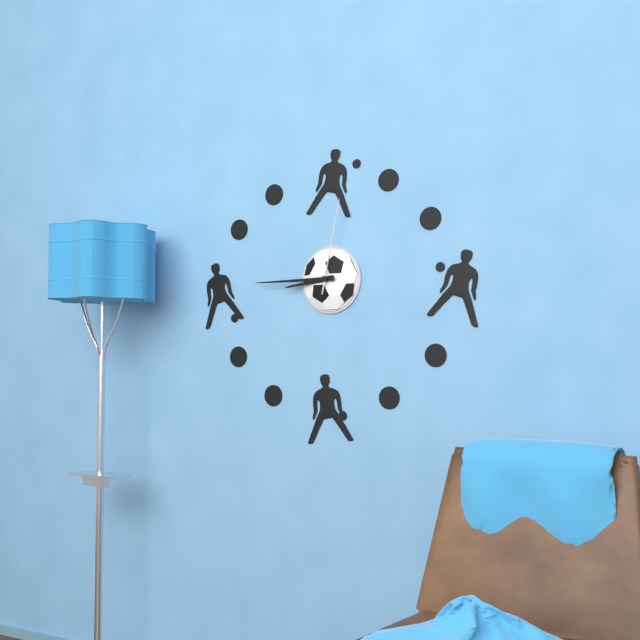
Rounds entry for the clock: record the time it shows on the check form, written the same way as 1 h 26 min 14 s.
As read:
8 h 45 min 02 s
